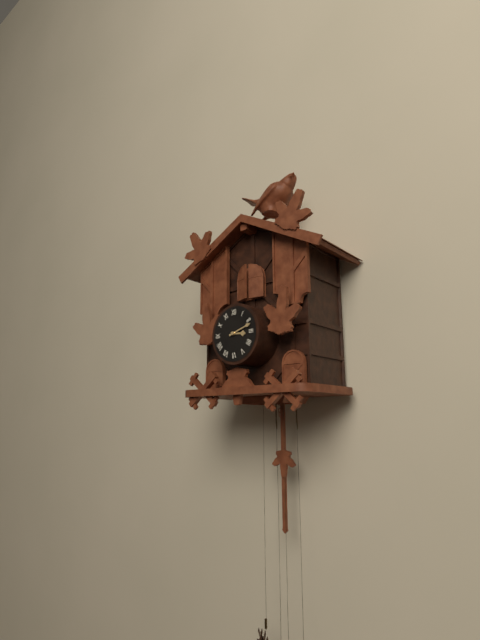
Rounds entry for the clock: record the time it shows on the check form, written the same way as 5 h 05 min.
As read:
3 h 12 min
